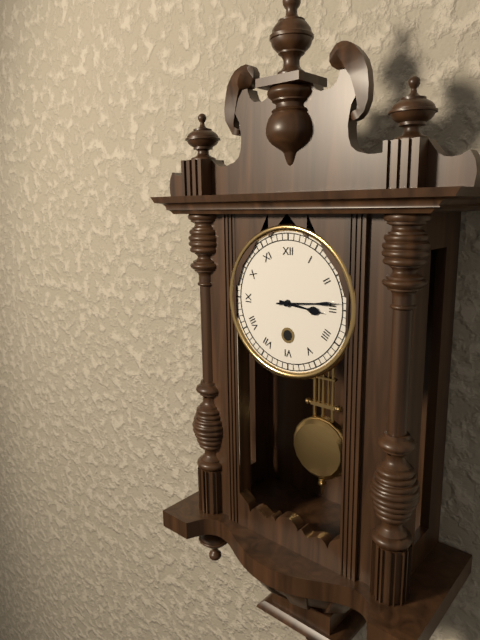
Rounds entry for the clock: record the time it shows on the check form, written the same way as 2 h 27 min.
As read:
3 h 14 min
